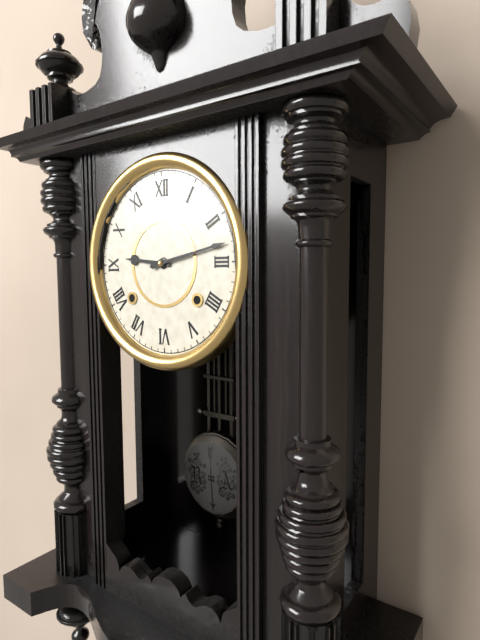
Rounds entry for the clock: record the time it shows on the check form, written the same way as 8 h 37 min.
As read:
9 h 13 min
